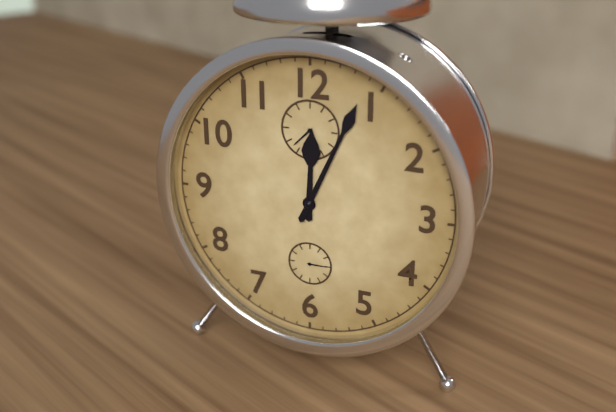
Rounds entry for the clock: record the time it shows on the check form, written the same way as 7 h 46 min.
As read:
12 h 04 min
